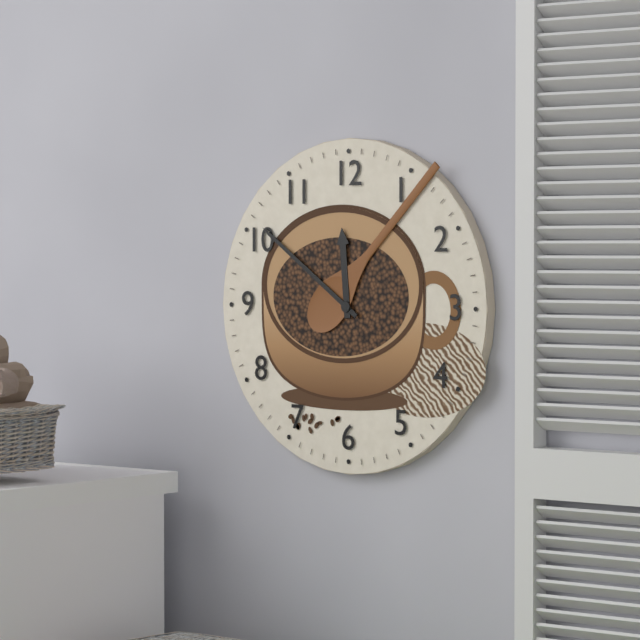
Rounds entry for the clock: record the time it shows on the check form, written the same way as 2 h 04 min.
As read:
11 h 51 min
